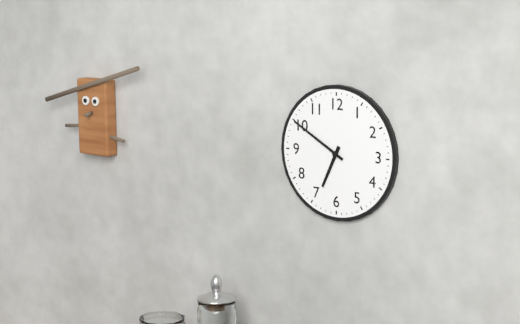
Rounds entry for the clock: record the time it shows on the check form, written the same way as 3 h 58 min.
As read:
6 h 50 min
